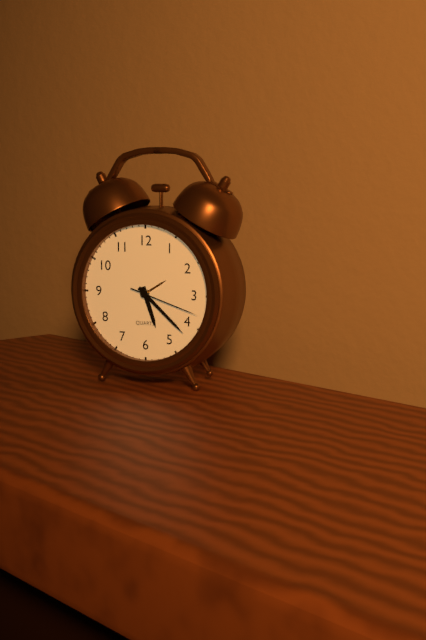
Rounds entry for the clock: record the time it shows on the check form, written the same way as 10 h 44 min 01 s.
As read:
5 h 22 min 18 s
